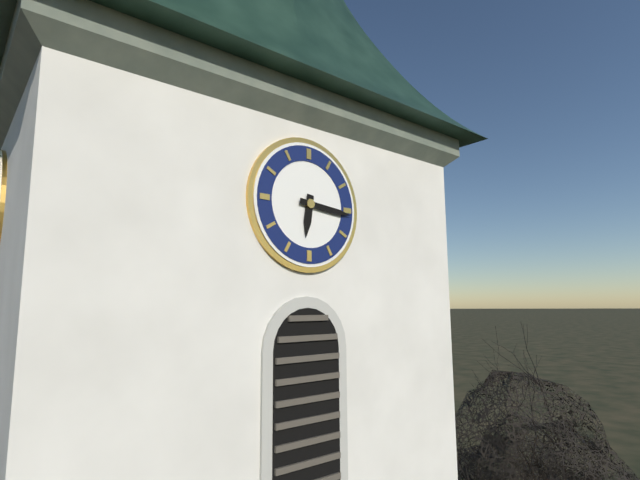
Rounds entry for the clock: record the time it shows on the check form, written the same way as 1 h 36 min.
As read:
6 h 16 min
